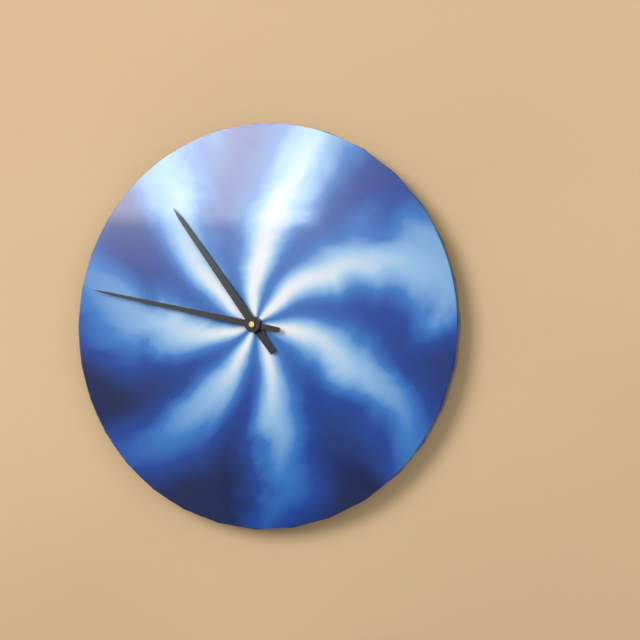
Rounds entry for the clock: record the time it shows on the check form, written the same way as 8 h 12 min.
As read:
10 h 47 min
